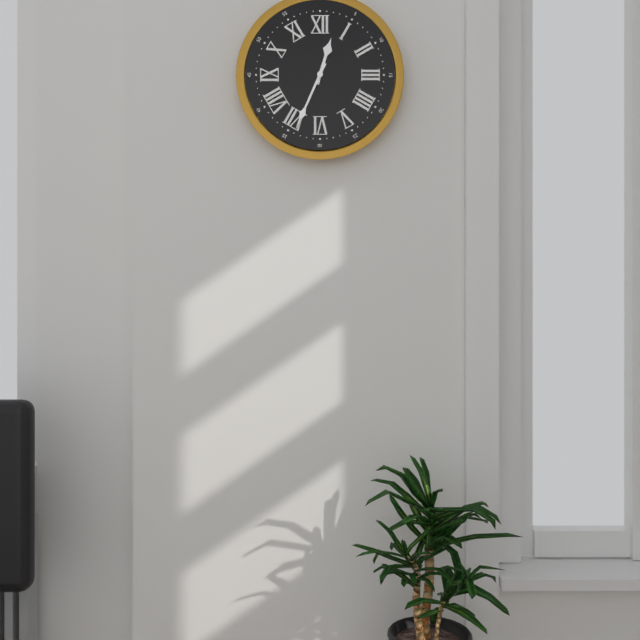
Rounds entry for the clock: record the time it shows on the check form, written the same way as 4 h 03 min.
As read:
12 h 34 min
